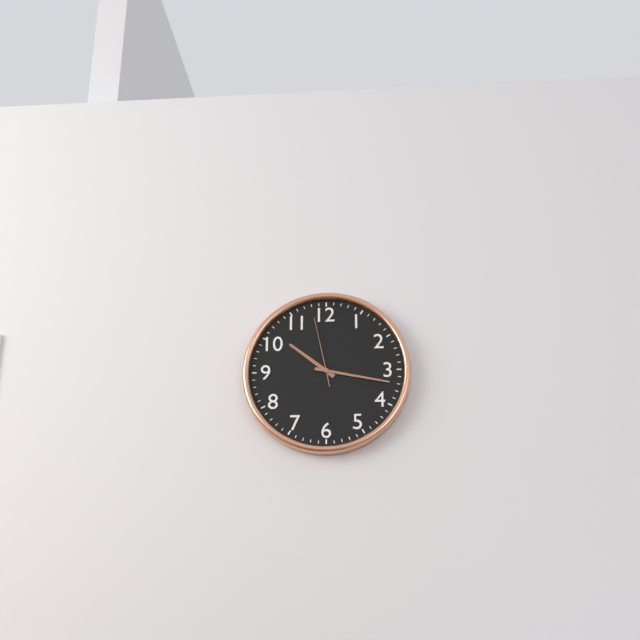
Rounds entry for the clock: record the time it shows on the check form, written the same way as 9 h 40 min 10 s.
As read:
10 h 17 min 58 s
